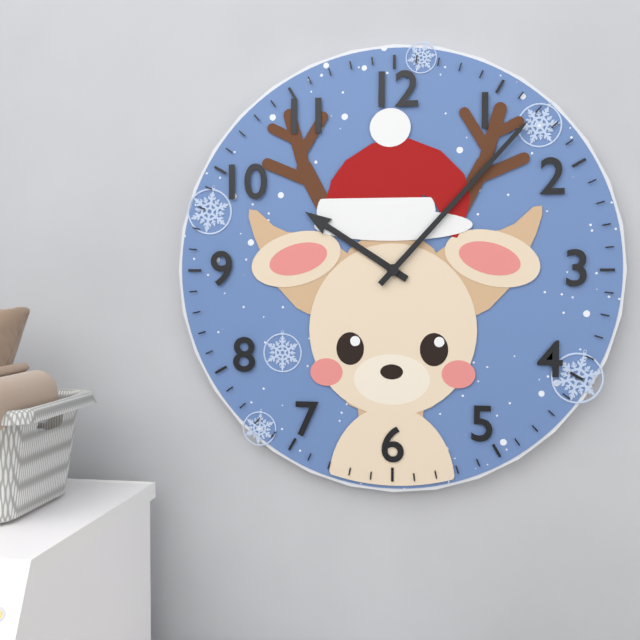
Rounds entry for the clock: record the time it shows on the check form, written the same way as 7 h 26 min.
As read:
10 h 07 min
